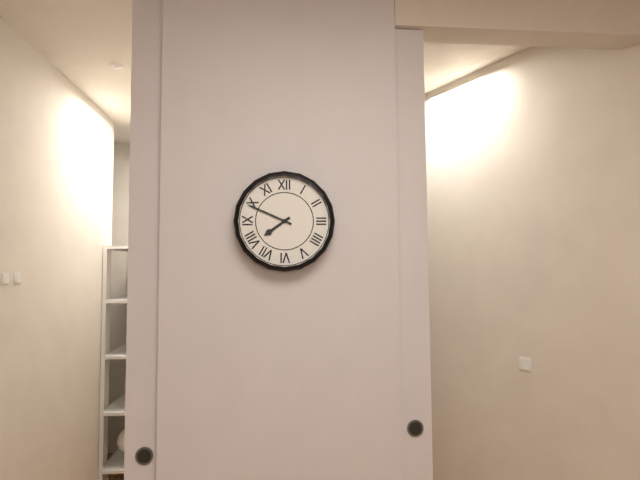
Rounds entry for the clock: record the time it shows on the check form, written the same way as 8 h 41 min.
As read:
7 h 49 min
